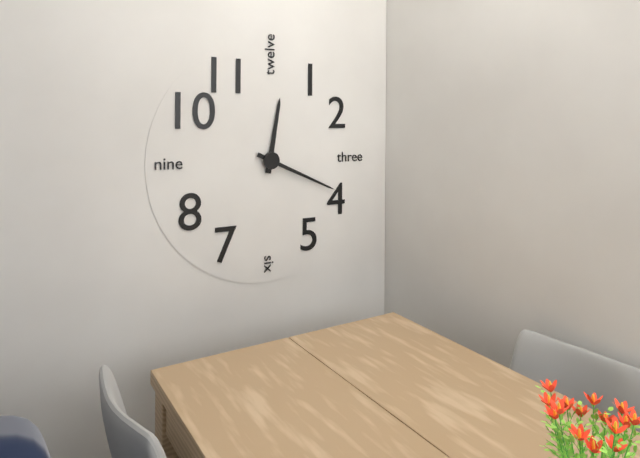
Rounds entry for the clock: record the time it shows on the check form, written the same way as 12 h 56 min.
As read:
12 h 19 min
